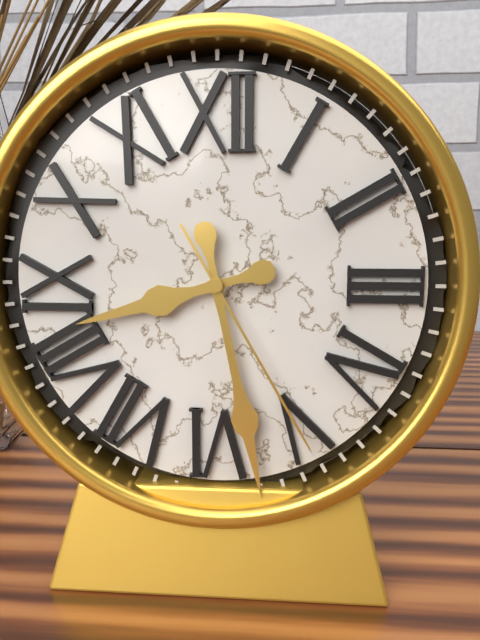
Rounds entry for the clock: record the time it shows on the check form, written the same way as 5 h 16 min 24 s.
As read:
8 h 28 min 25 s
